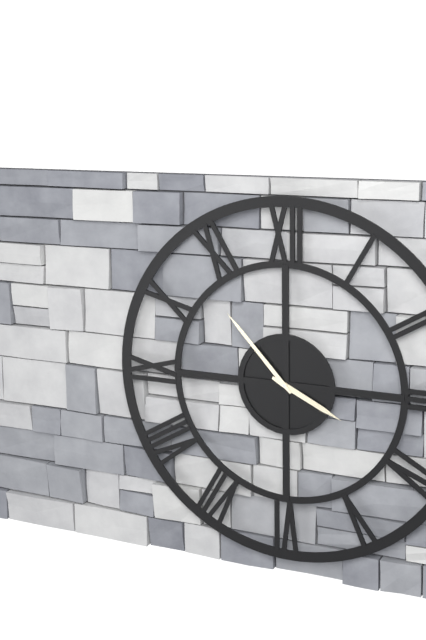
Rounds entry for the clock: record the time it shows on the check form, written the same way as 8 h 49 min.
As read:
3 h 53 min
